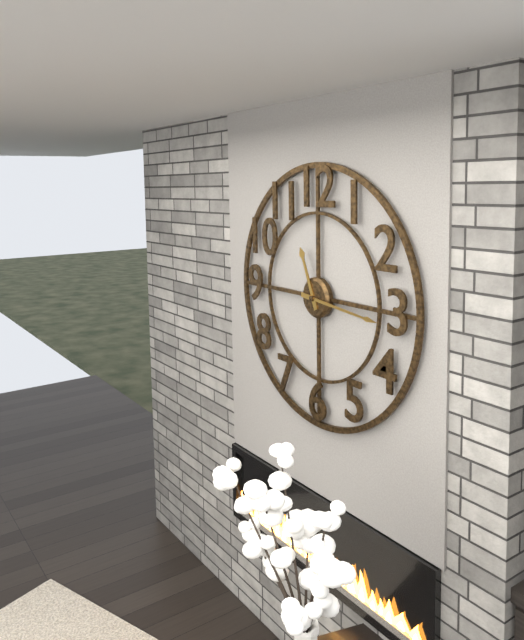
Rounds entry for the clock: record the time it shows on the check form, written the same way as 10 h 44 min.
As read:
11 h 16 min
